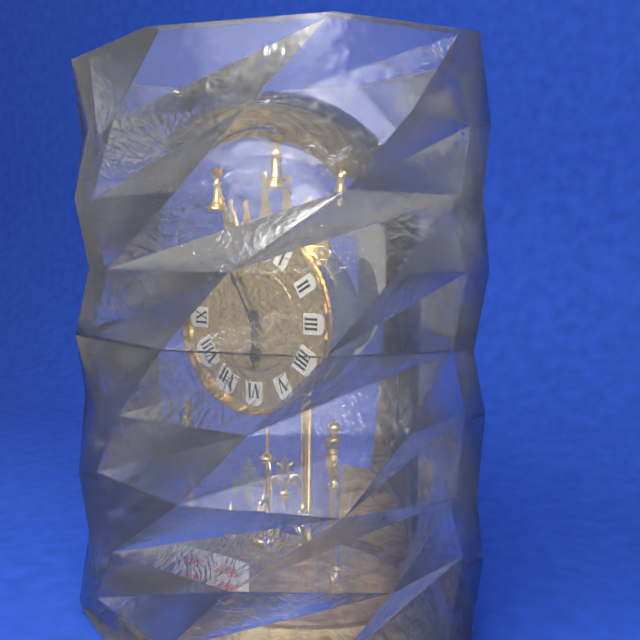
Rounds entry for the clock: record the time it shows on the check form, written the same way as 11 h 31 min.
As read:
5 h 55 min
